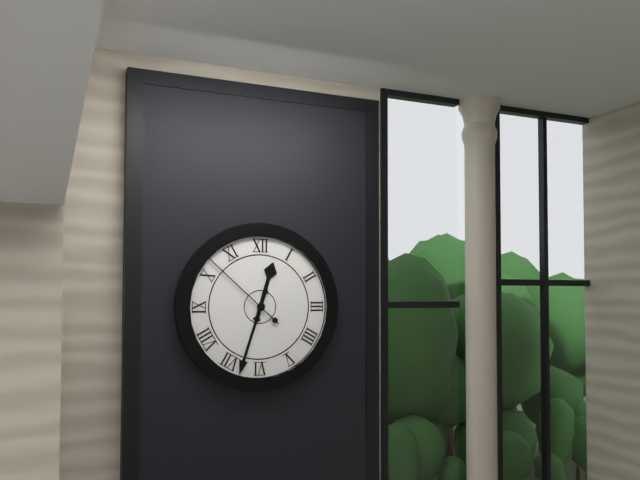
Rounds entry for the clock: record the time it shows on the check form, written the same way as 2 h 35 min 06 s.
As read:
12 h 33 min 52 s
